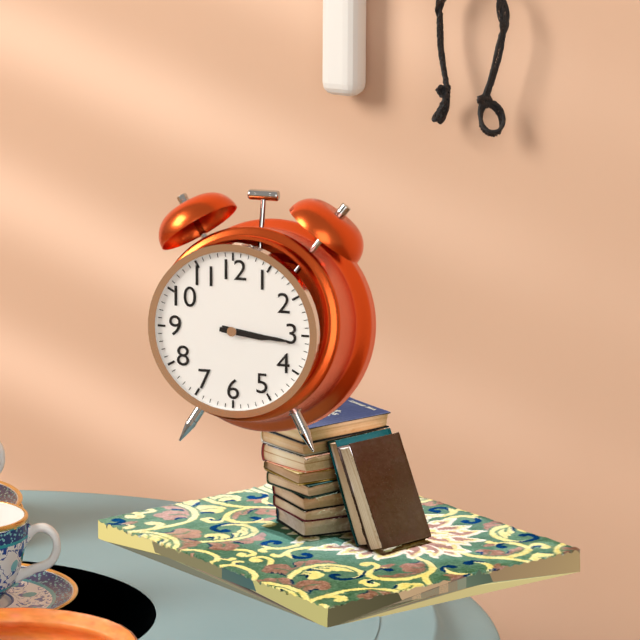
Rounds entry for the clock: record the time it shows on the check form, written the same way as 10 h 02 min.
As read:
3 h 16 min
